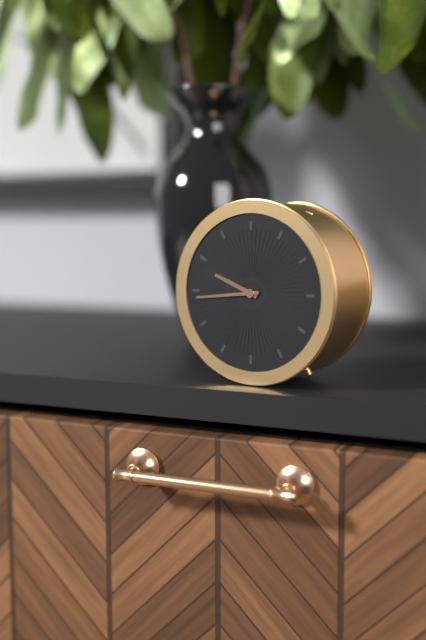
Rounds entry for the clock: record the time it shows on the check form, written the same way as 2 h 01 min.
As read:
9 h 44 min
